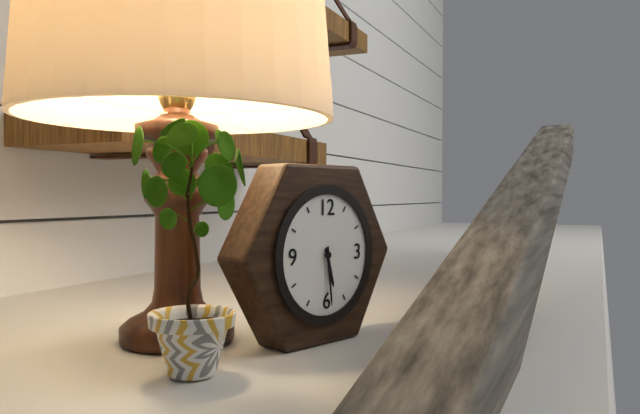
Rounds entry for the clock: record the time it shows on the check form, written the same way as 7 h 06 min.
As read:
5 h 29 min
